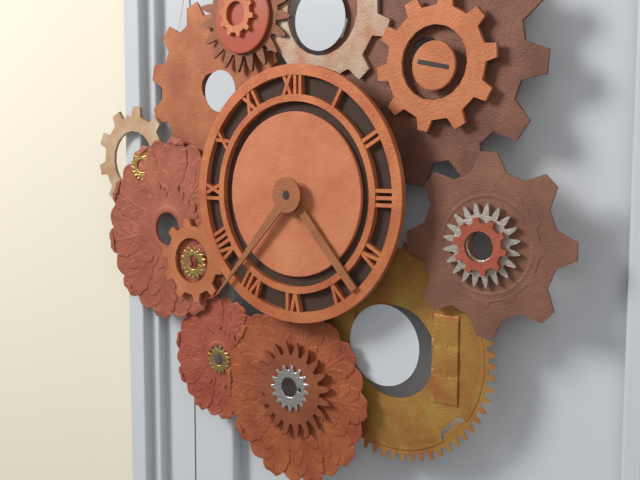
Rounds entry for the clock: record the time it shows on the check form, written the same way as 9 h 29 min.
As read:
4 h 37 min
